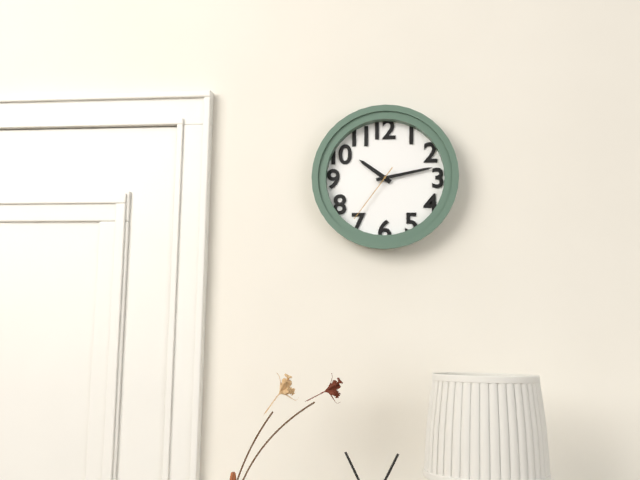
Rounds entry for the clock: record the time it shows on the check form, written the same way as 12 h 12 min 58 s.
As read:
10 h 13 min 36 s
